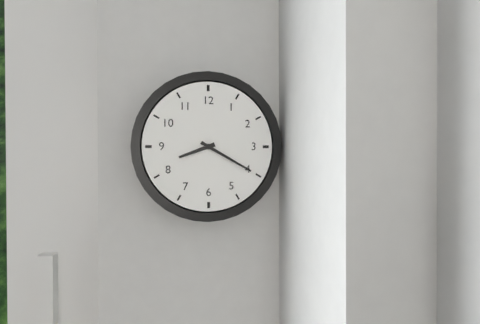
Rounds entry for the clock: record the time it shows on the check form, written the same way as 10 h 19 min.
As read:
8 h 20 min
